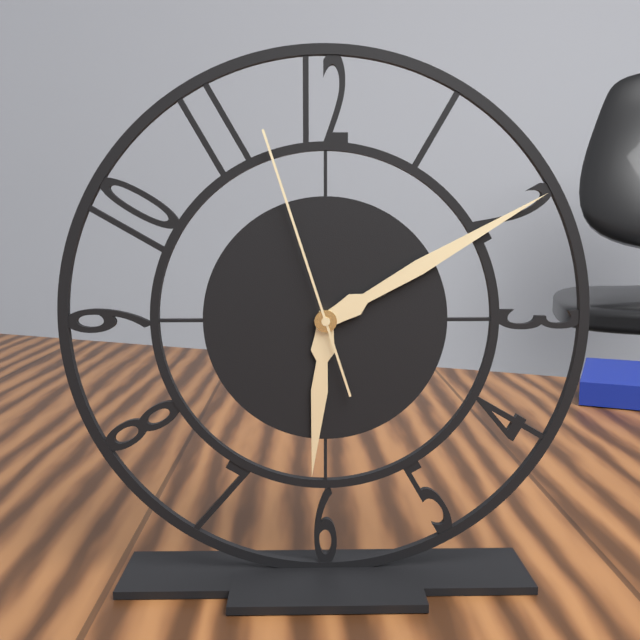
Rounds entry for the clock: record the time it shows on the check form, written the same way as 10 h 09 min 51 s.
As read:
6 h 10 min 57 s
